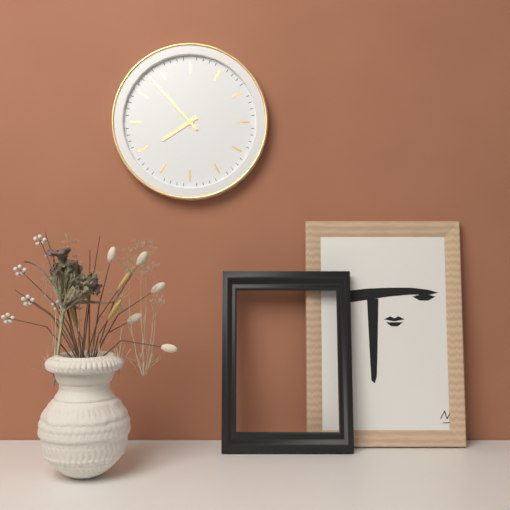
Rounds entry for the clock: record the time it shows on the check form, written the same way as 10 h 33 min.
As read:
7 h 53 min
